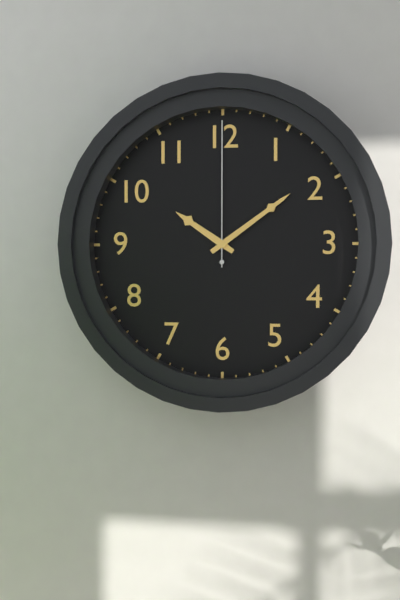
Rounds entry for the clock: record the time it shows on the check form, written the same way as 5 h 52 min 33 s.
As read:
10 h 09 min 00 s
